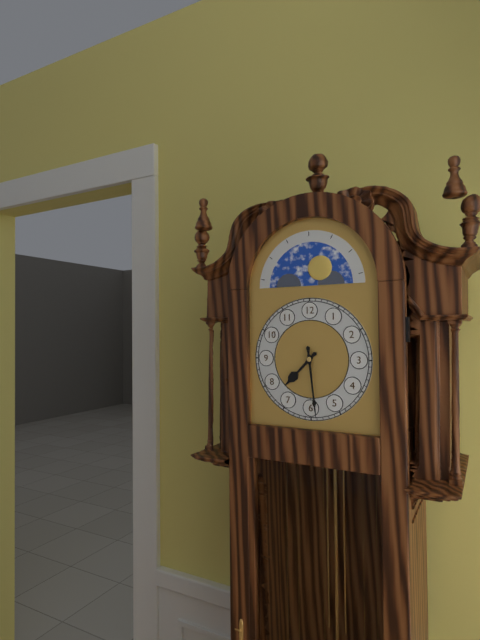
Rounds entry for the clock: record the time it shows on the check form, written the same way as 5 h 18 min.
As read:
7 h 29 min
